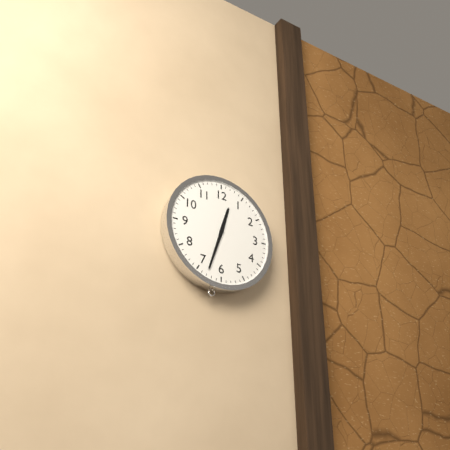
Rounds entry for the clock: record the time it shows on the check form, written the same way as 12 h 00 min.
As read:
12 h 33 min
